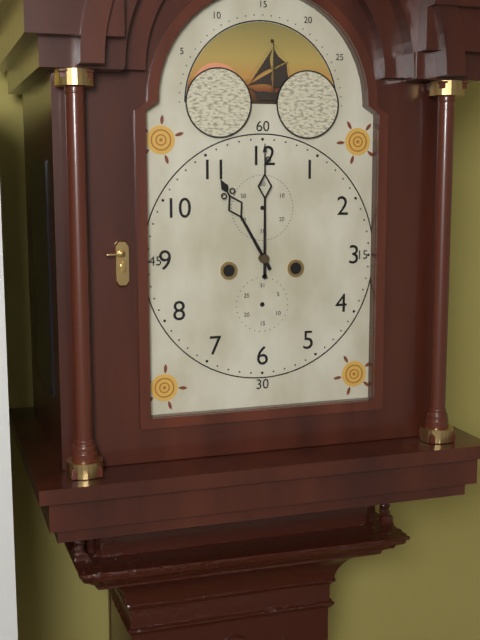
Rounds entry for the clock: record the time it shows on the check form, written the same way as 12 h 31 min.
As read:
11 h 00 min
